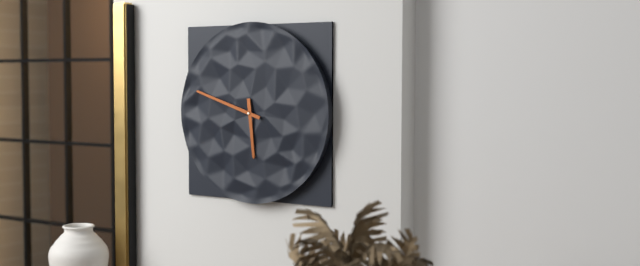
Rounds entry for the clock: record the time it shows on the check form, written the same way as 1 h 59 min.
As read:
5 h 48 min
